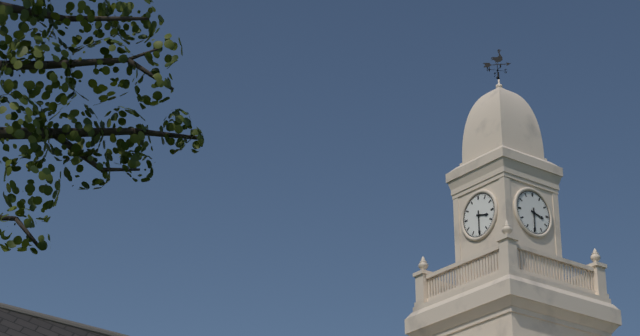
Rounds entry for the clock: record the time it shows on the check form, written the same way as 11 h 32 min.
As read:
3 h 30 min
